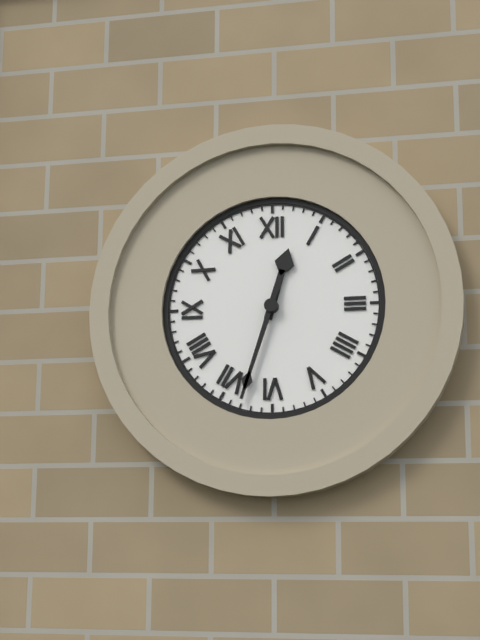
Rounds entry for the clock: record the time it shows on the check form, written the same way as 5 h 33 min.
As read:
12 h 33 min
